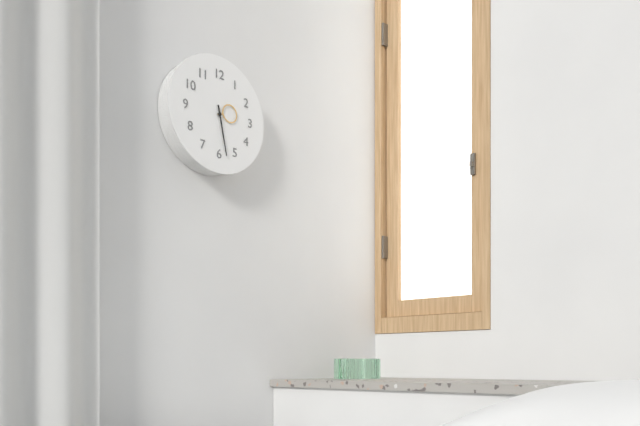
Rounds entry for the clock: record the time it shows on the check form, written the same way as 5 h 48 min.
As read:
2 h 28 min
